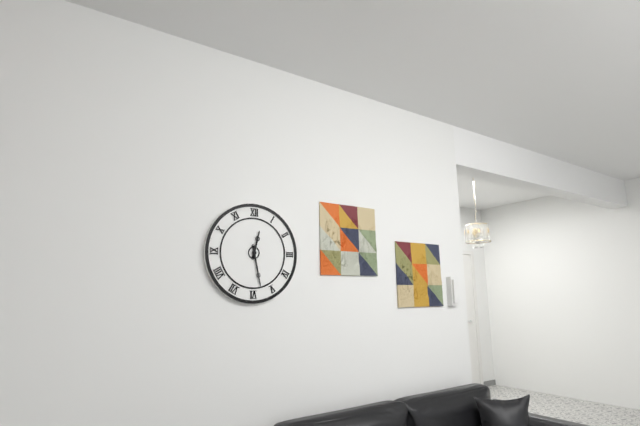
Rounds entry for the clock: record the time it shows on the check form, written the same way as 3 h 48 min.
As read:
12 h 28 min
